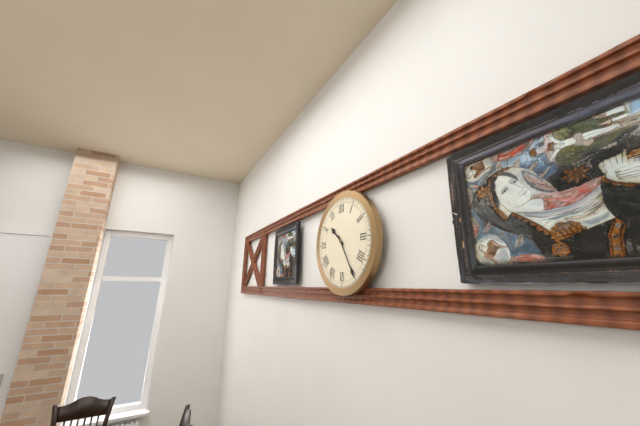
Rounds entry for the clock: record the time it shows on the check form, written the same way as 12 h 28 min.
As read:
10 h 25 min
